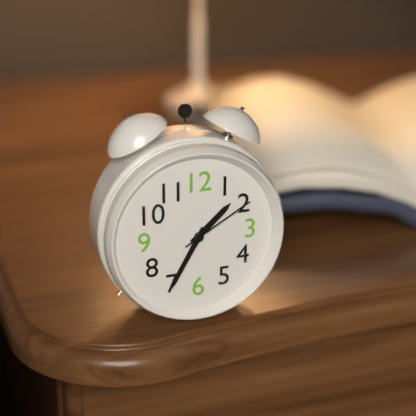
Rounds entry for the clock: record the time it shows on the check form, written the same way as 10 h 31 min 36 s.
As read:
1 h 35 min 10 s
